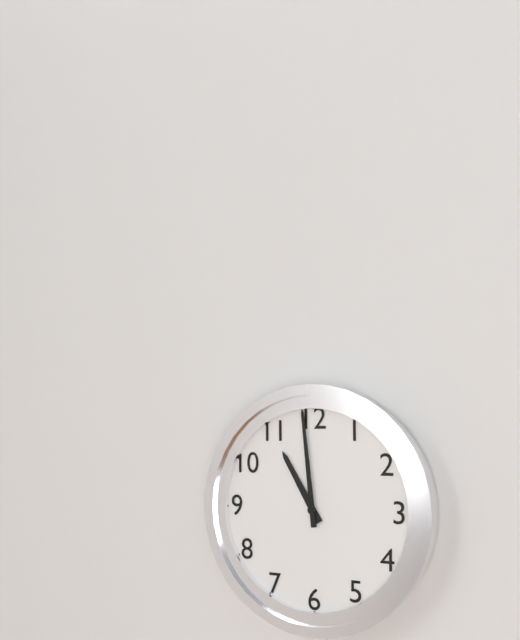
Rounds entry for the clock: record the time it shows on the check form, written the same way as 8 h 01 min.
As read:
10 h 59 min
